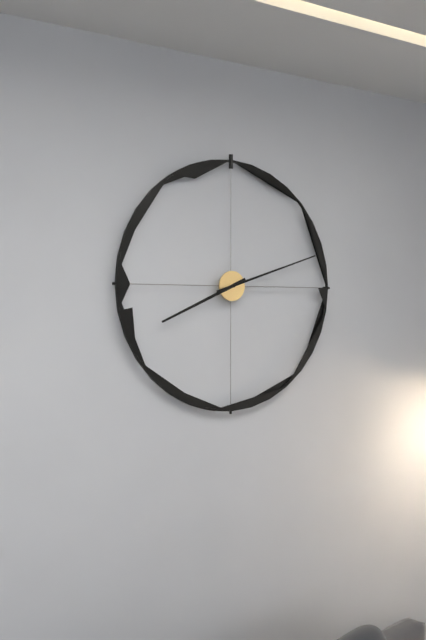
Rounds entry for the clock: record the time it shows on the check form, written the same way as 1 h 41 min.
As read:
8 h 12 min
